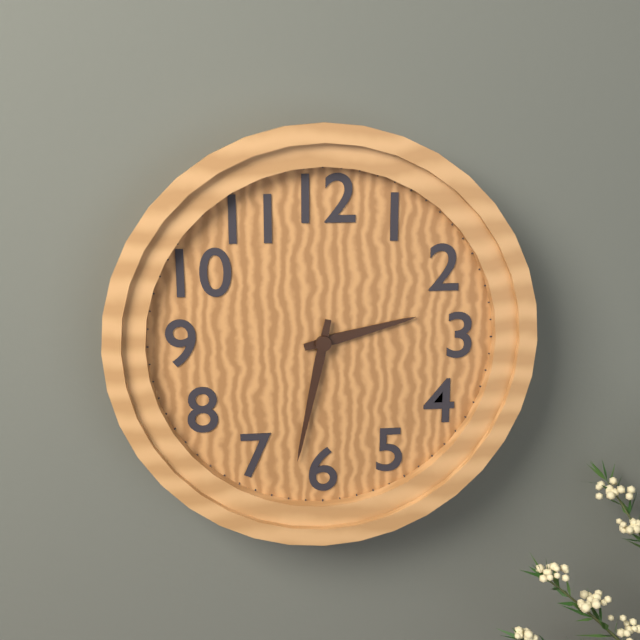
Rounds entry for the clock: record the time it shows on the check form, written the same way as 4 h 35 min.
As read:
2 h 32 min
